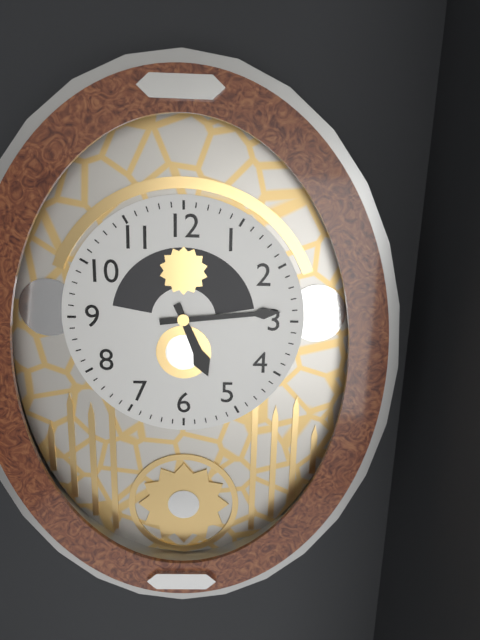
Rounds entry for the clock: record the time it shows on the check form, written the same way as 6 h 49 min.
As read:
5 h 14 min
